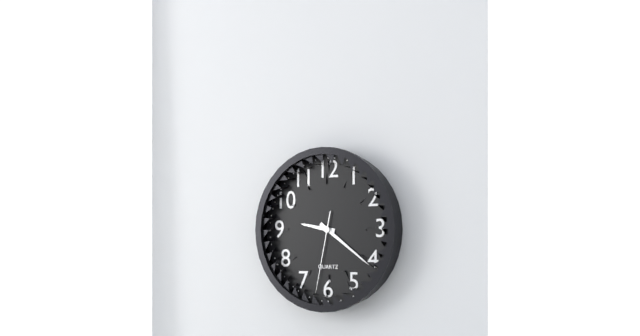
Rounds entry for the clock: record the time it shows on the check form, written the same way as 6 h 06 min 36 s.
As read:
9 h 21 min 32 s
